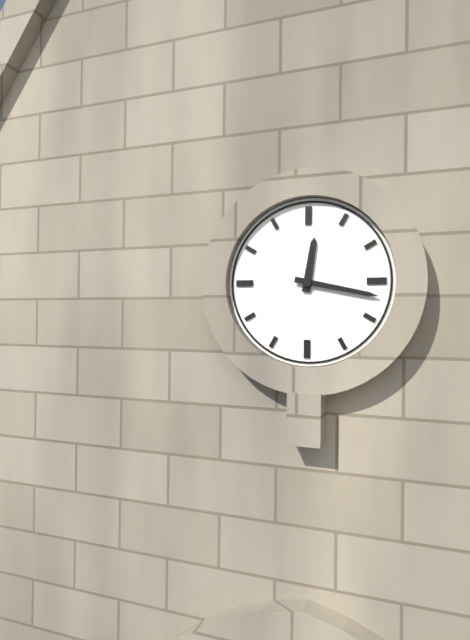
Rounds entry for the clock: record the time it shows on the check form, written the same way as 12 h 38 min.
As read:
12 h 17 min
